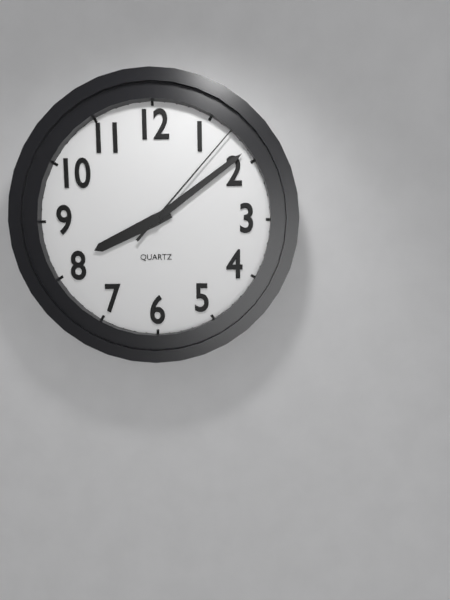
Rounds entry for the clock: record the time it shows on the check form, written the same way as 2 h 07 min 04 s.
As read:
8 h 09 min 07 s
